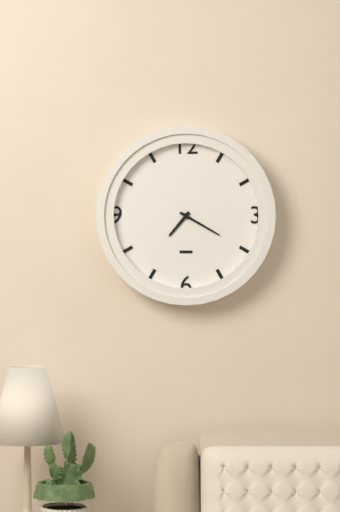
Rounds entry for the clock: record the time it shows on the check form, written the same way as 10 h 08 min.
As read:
7 h 20 min
